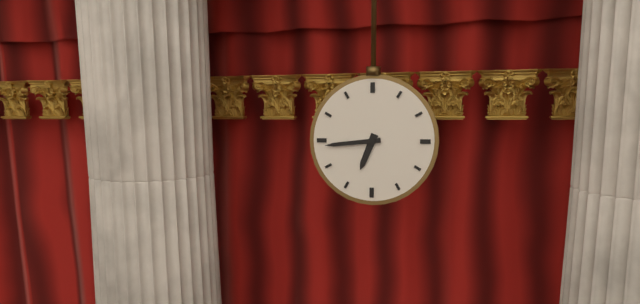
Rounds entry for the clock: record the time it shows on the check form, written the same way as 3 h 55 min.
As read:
6 h 44 min
